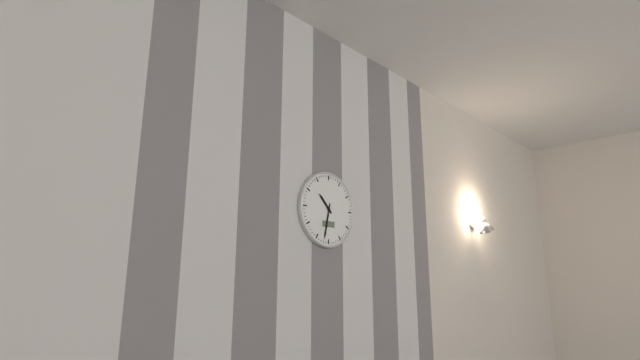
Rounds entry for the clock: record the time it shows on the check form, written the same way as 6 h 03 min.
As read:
10 h 32 min
